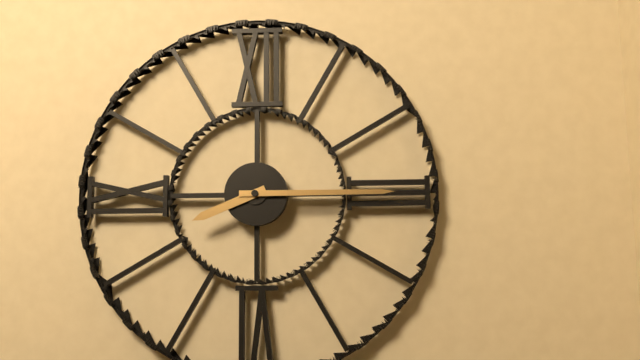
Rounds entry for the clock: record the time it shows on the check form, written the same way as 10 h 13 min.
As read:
8 h 15 min
